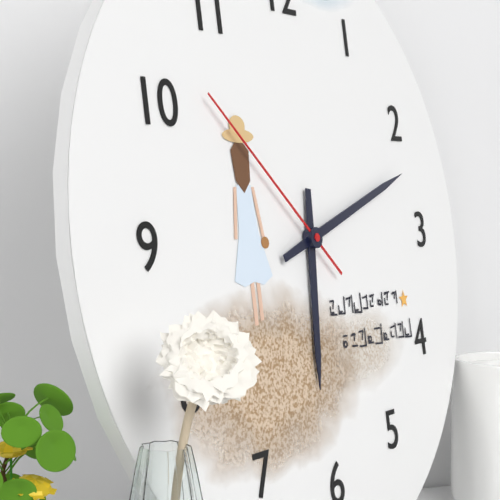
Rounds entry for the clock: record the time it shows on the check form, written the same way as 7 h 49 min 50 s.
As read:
6 h 12 min 52 s
